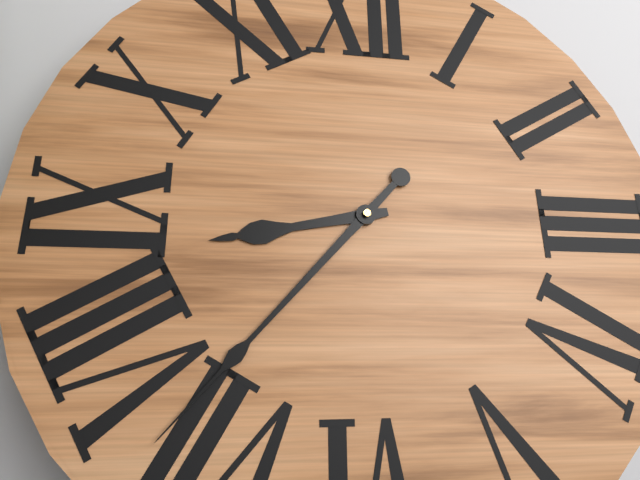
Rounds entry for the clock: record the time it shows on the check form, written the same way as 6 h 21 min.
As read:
8 h 37 min
